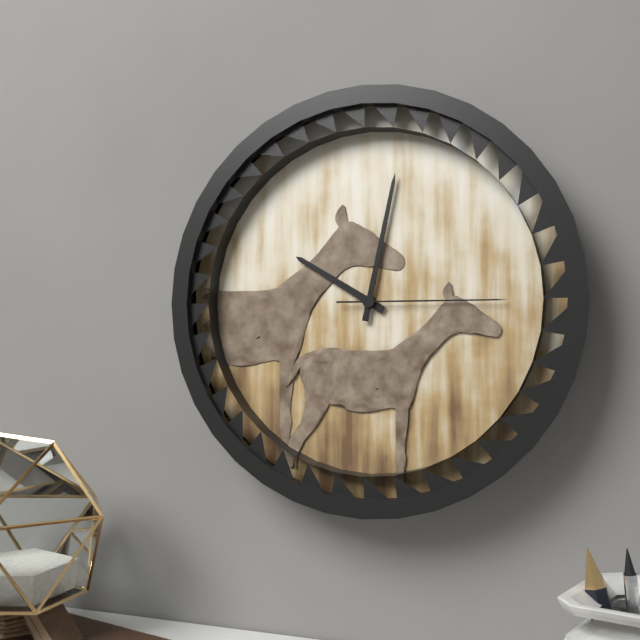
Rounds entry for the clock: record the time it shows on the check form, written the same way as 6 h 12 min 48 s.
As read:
10 h 02 min 15 s
